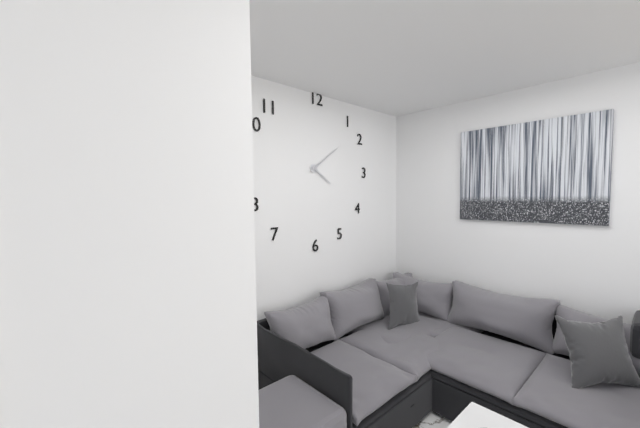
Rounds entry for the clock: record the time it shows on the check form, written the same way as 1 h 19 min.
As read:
4 h 09 min
